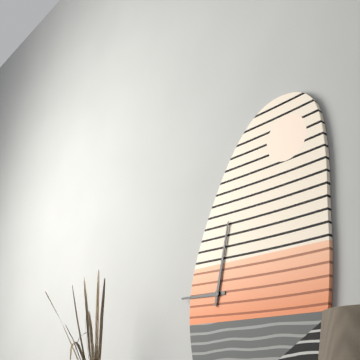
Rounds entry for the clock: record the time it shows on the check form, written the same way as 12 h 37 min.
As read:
9 h 02 min
